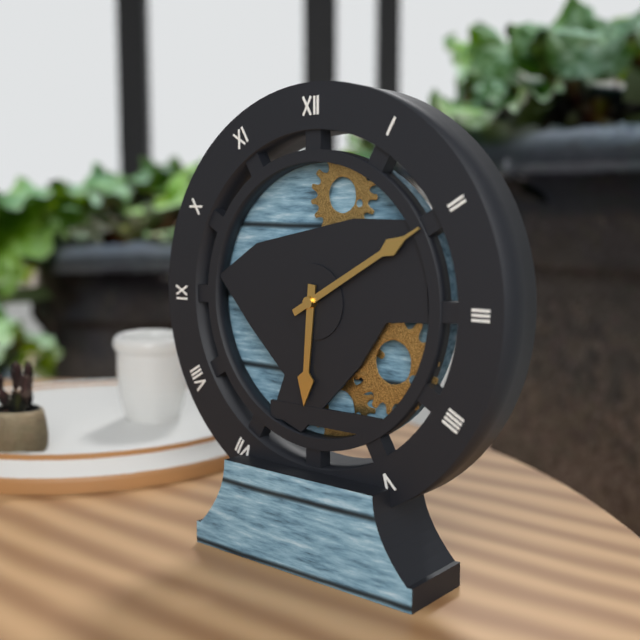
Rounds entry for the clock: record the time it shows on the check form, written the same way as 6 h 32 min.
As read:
6 h 10 min
